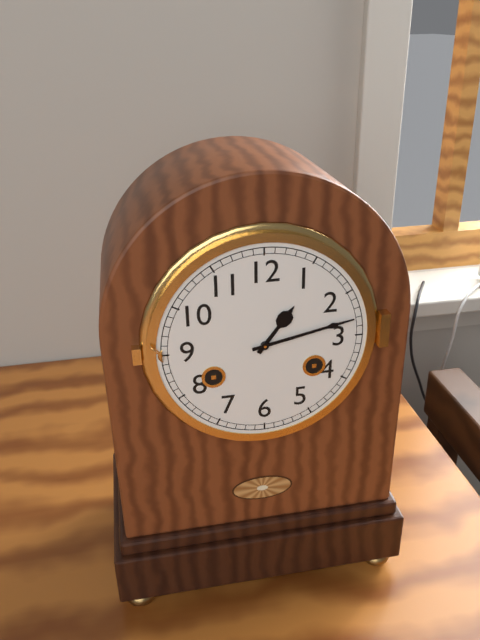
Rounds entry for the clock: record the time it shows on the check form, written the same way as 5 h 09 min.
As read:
1 h 13 min
